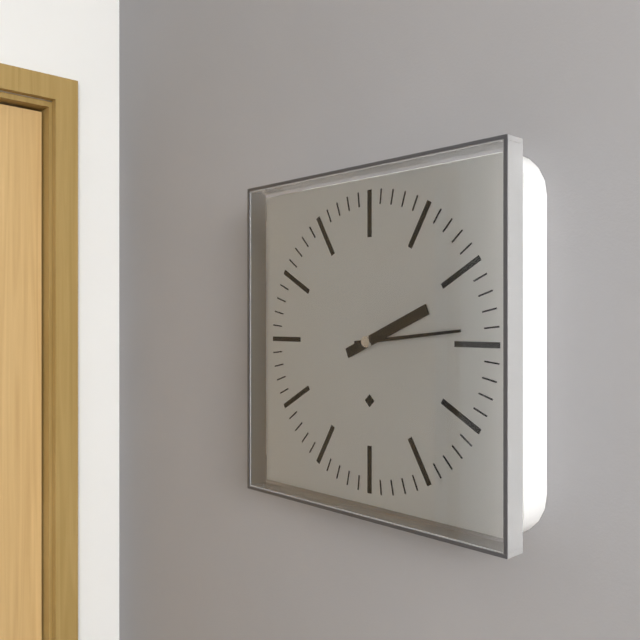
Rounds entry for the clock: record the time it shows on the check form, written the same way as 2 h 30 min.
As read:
2 h 14 min
